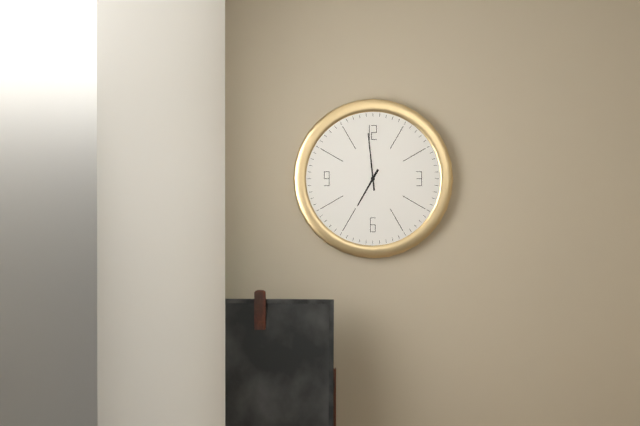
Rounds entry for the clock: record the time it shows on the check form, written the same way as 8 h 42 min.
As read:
6 h 59 min
